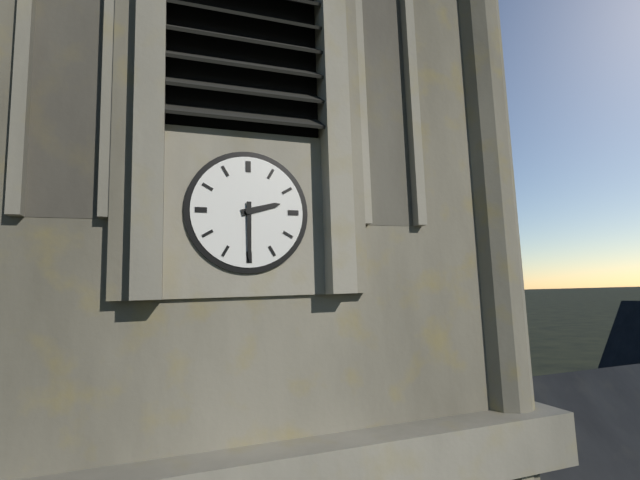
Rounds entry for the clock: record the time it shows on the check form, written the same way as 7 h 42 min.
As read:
2 h 30 min
